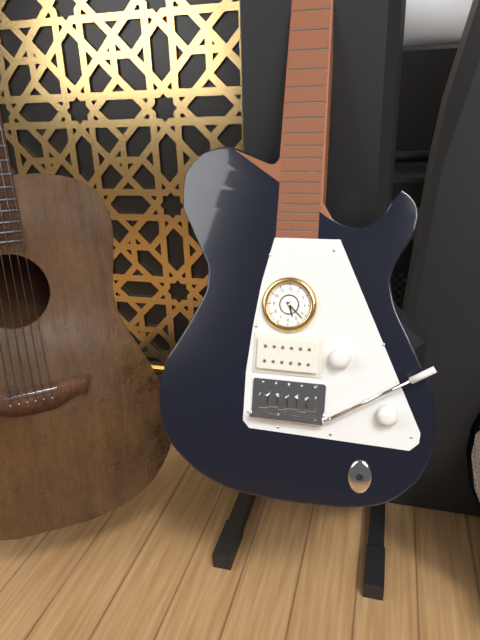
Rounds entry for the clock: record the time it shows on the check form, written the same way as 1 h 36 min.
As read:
5 h 22 min
